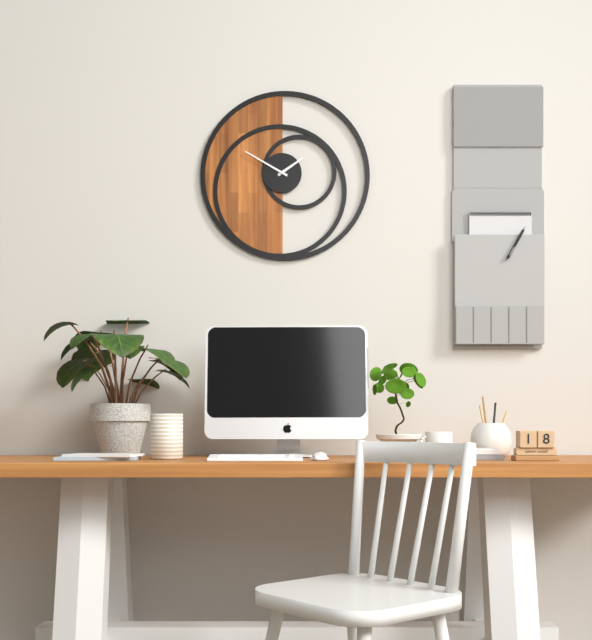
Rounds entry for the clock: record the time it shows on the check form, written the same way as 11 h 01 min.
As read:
1 h 50 min
